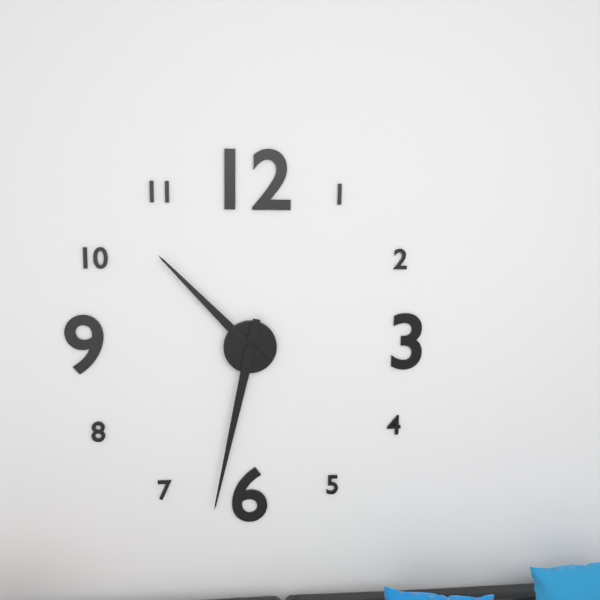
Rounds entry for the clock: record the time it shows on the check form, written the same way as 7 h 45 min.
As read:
10 h 32 min
